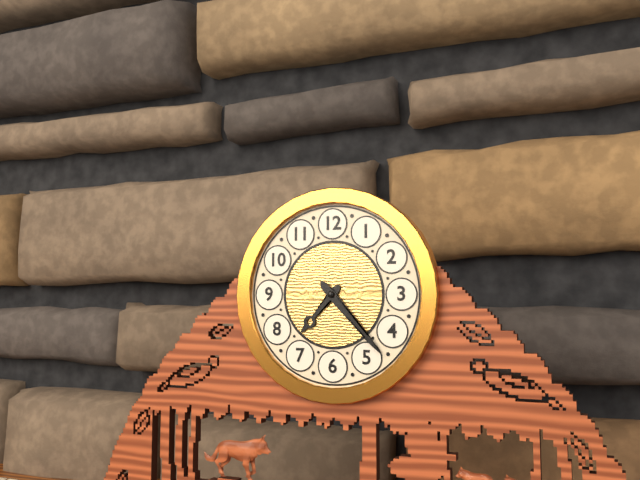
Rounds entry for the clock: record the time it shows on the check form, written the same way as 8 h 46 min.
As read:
7 h 23 min
